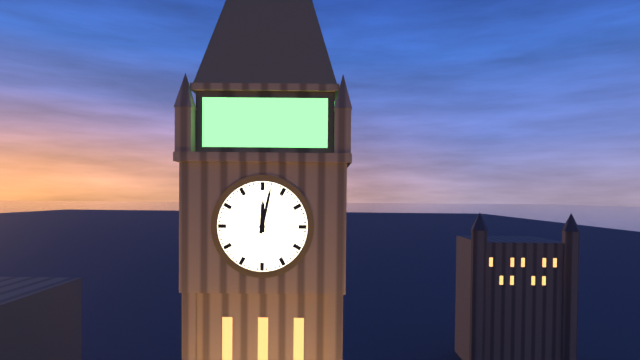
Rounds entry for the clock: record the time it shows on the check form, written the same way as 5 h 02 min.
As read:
12 h 02 min
